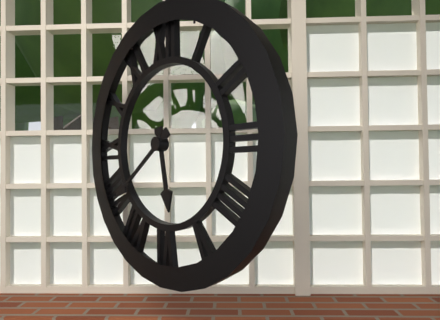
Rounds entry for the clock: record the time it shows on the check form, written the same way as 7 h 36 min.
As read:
5 h 39 min
